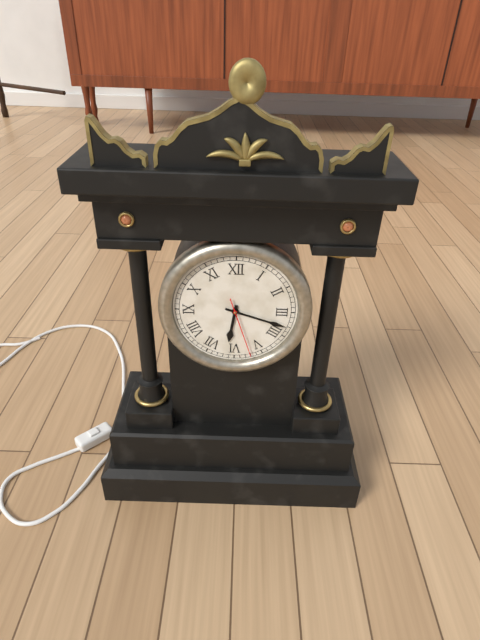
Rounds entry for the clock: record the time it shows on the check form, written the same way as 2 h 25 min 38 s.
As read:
6 h 18 min 27 s
